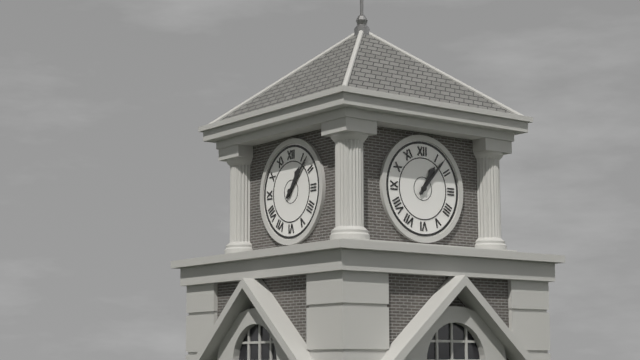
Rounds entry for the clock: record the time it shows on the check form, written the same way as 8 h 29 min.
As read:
1 h 07 min
